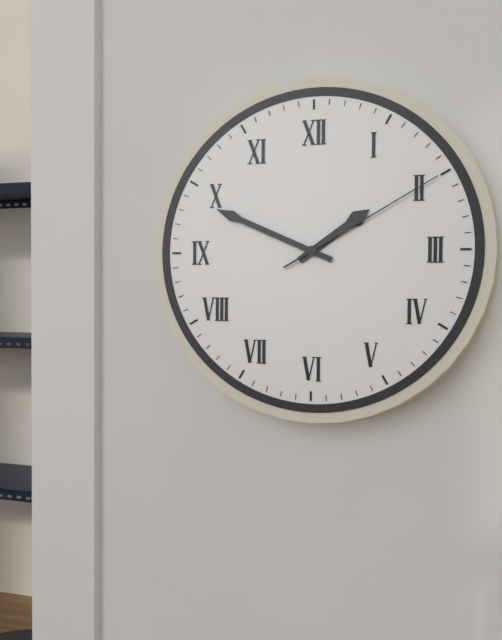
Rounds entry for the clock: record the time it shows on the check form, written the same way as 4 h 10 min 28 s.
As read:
1 h 49 min 10 s
